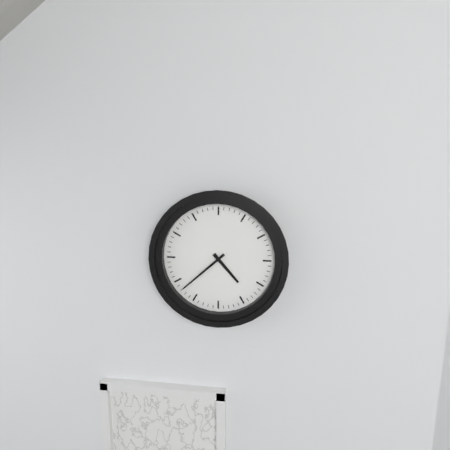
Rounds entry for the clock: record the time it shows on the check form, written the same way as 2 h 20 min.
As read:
4 h 38 min
